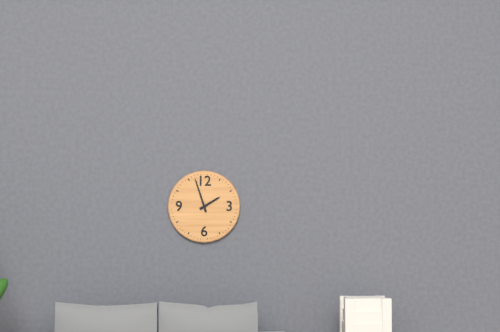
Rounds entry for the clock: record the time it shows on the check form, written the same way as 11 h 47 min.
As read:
1 h 57 min
